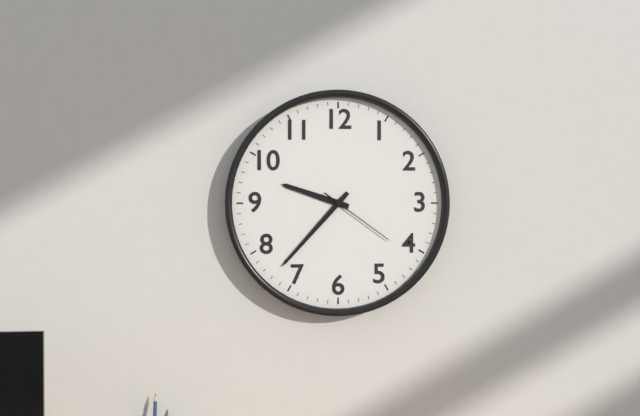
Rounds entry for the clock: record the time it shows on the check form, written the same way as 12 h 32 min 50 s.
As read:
9 h 37 min 21 s
